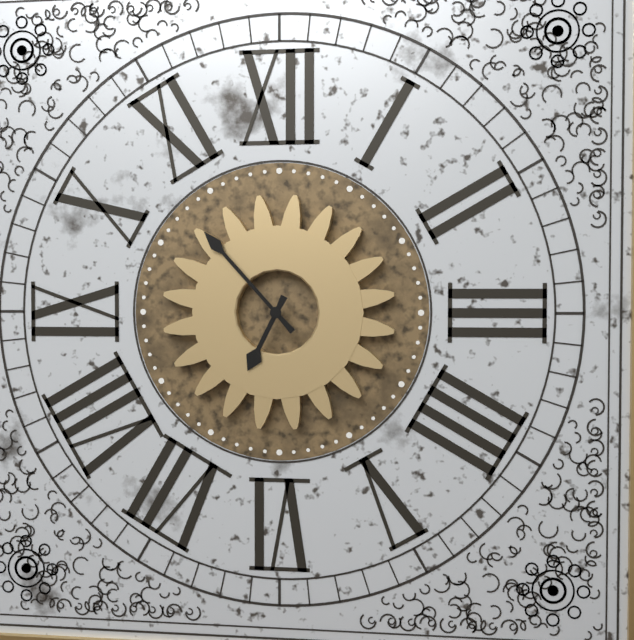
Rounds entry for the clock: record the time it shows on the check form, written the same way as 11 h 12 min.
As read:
6 h 53 min
